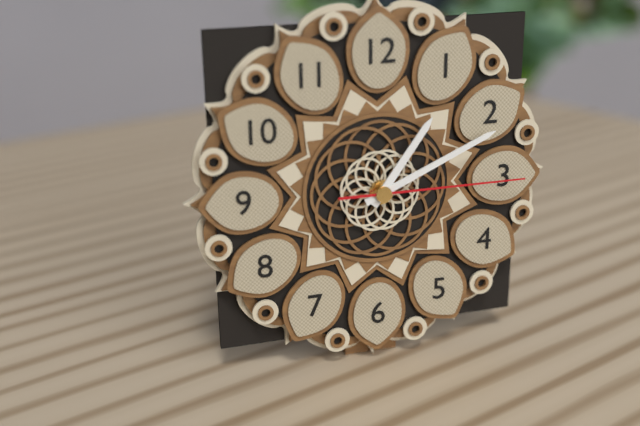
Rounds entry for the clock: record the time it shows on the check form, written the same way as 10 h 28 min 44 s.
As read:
1 h 11 min 15 s
